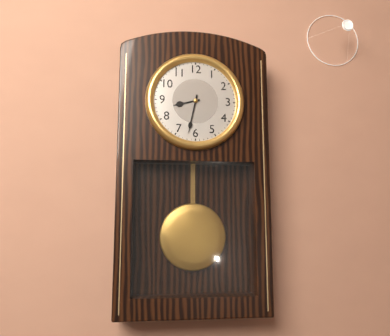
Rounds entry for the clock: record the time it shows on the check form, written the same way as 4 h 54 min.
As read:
8 h 32 min
